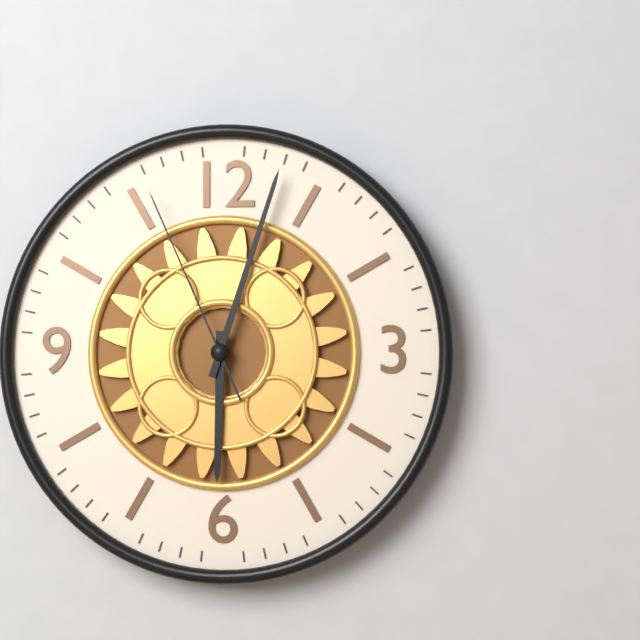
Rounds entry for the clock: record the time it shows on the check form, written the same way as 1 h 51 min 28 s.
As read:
6 h 03 min 56 s
